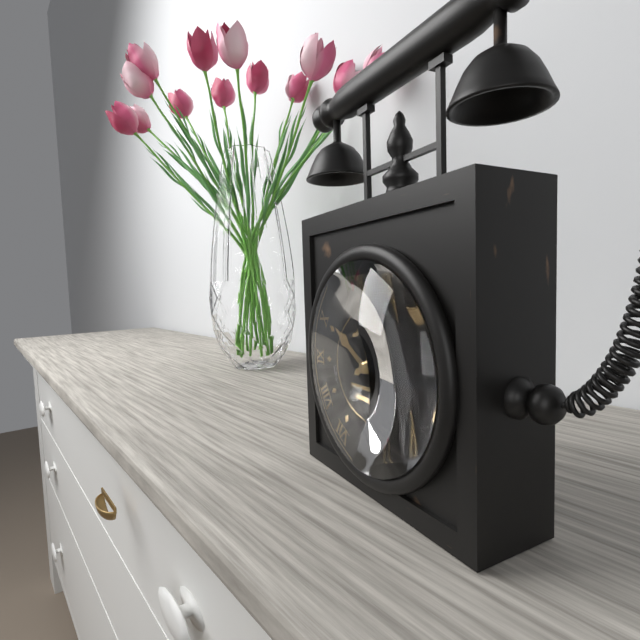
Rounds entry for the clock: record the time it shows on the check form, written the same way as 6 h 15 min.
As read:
10 h 10 min
